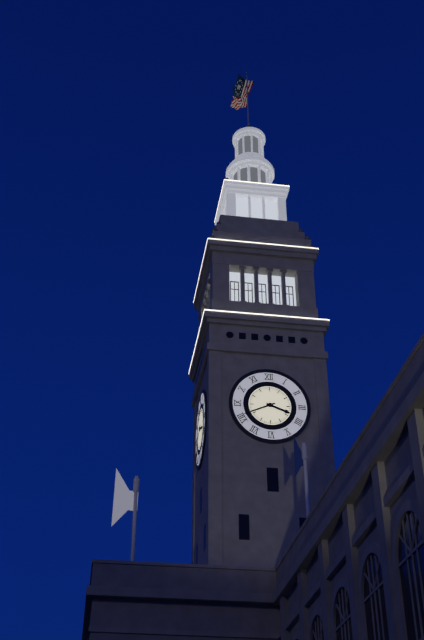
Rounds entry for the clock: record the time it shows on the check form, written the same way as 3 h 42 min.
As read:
3 h 41 min
